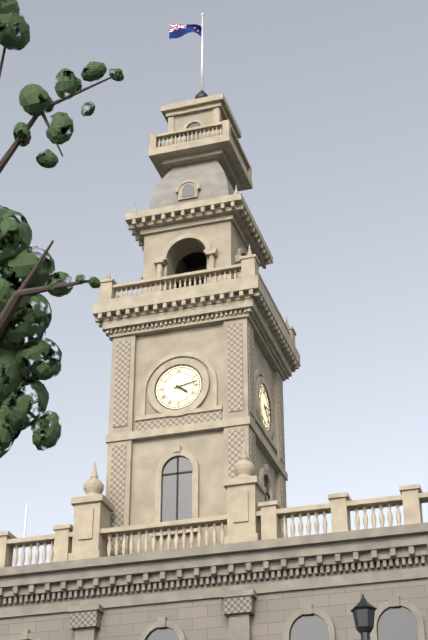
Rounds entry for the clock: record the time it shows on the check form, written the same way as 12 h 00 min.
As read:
4 h 13 min
